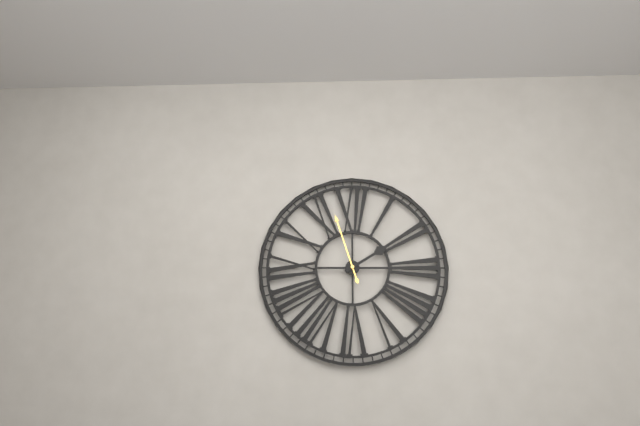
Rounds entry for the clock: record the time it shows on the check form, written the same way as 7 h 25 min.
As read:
1 h 57 min
